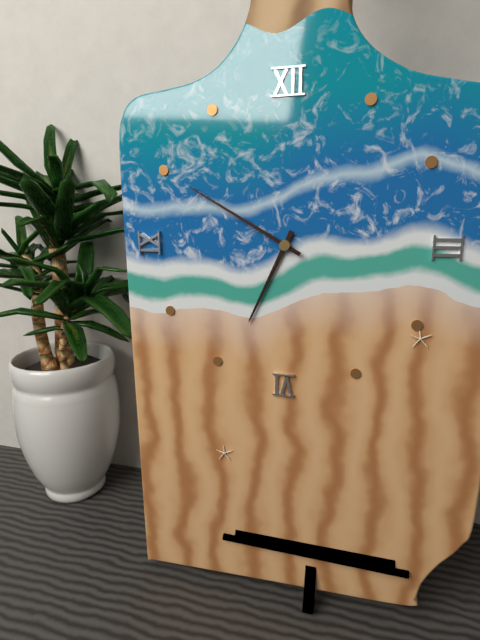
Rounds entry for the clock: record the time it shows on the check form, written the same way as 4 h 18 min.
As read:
6 h 50 min
